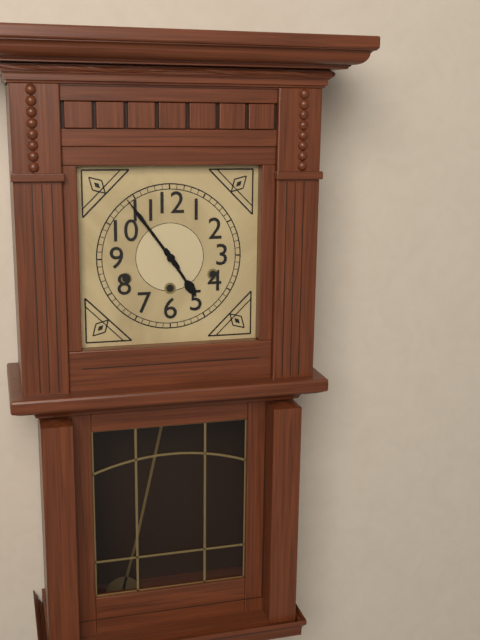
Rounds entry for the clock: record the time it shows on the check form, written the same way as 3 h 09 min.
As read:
4 h 54 min
